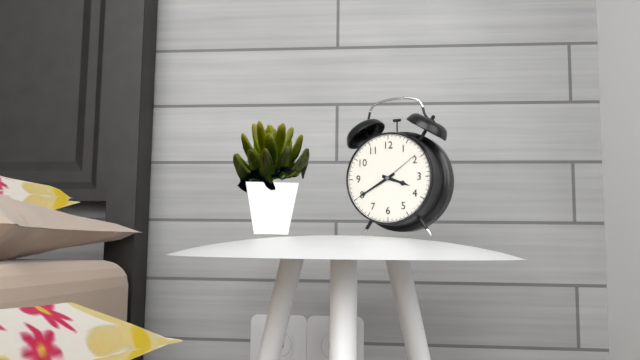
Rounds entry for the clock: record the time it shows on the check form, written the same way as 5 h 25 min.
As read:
3 h 40 min
